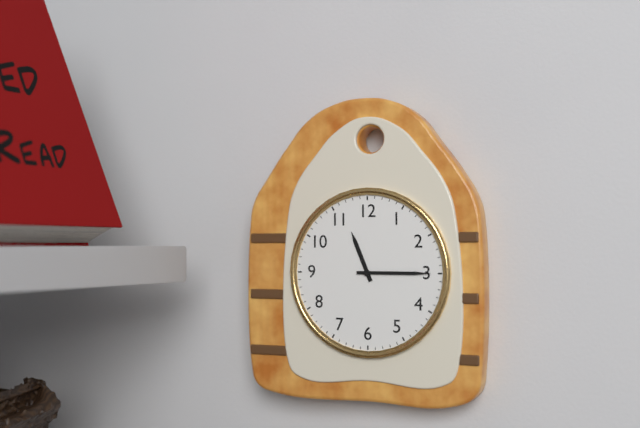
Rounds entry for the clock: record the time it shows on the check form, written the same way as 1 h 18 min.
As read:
11 h 15 min
